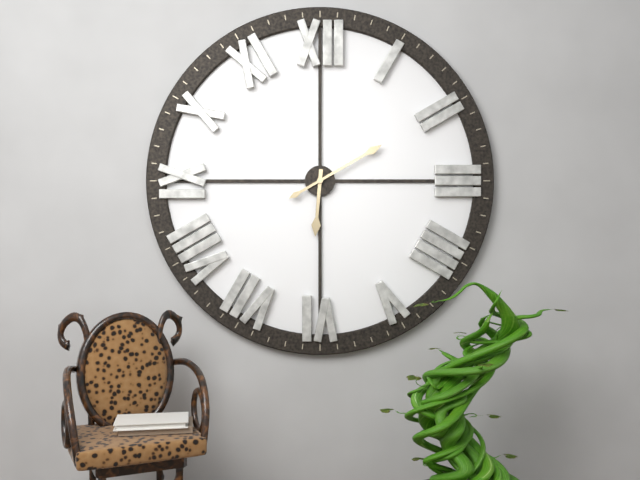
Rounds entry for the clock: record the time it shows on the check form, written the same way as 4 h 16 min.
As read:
6 h 10 min
